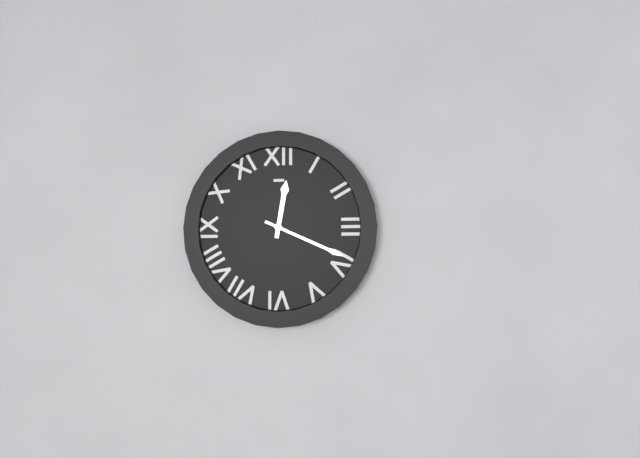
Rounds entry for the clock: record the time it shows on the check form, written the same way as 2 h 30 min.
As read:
12 h 19 min
